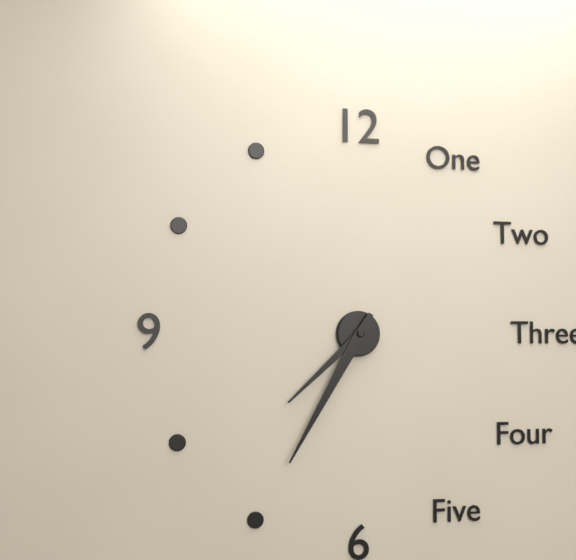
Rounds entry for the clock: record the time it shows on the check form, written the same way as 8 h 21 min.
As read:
7 h 35 min
